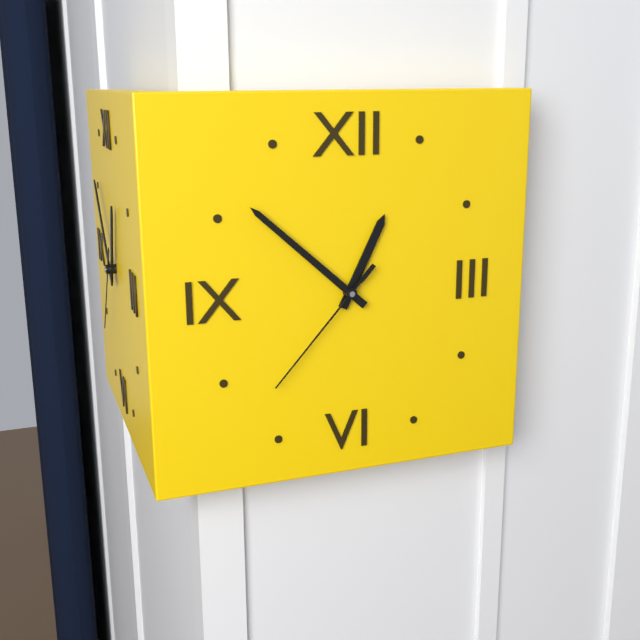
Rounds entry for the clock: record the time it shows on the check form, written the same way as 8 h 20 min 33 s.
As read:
12 h 52 min 37 s
